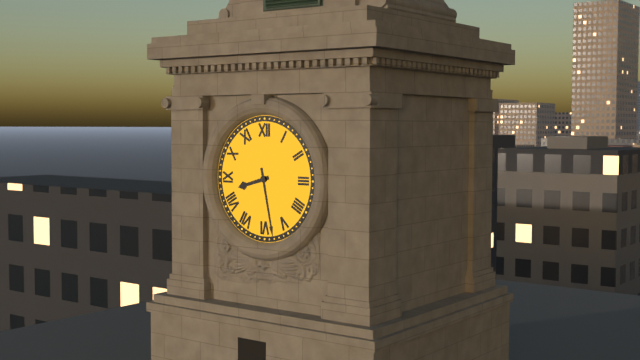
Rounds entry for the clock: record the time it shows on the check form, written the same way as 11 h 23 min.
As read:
8 h 28 min
